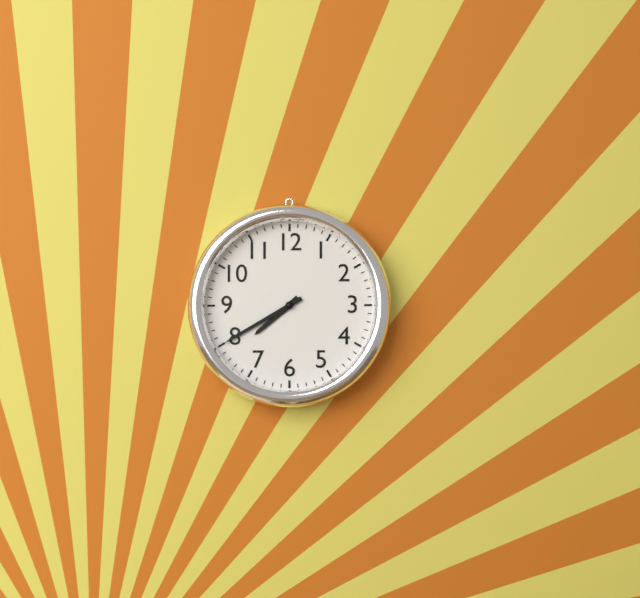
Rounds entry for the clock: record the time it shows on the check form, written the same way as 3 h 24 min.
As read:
7 h 40 min
